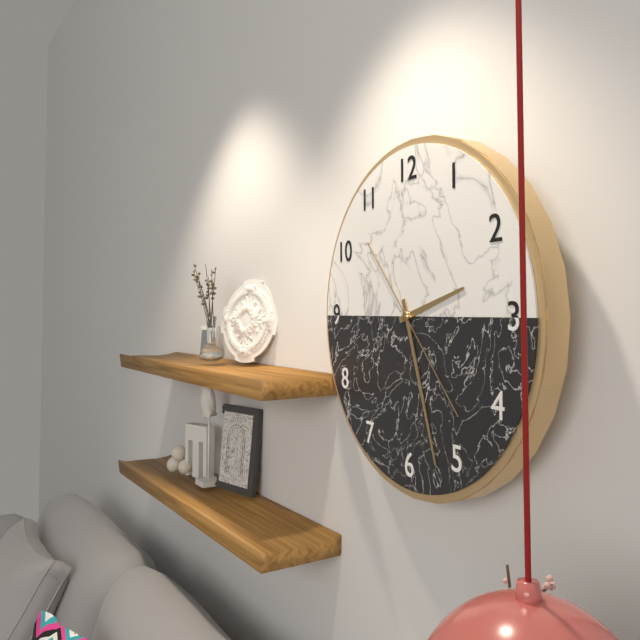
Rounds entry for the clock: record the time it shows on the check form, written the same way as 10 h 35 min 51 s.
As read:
2 h 27 min 23 s
